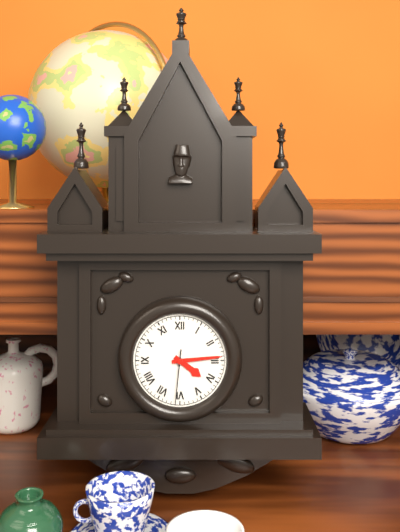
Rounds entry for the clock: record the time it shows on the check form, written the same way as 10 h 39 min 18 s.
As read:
4 h 14 min 31 s
